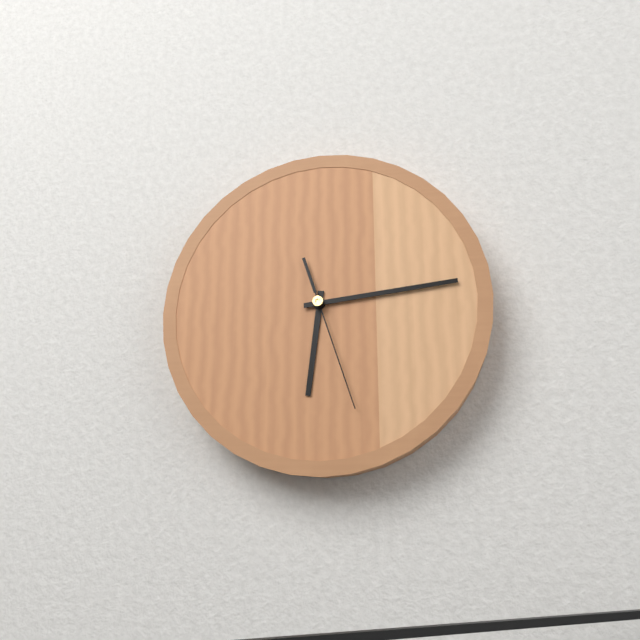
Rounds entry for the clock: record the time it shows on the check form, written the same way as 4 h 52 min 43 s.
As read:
6 h 14 min 27 s
